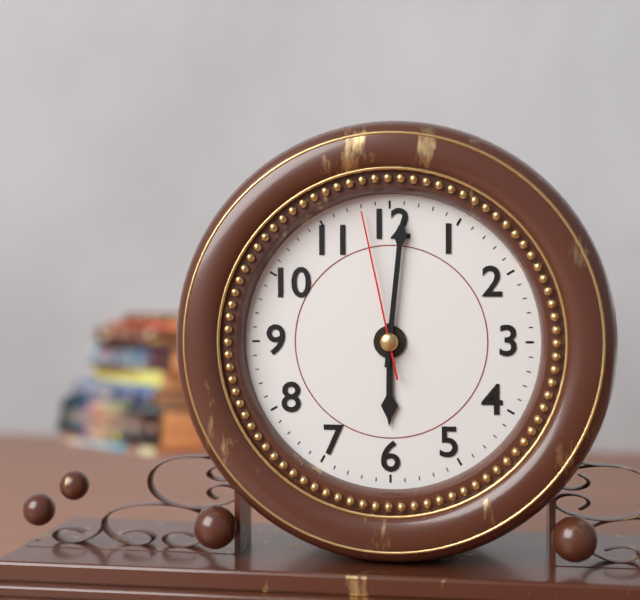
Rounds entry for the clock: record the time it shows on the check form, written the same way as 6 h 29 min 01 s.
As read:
6 h 01 min 58 s
